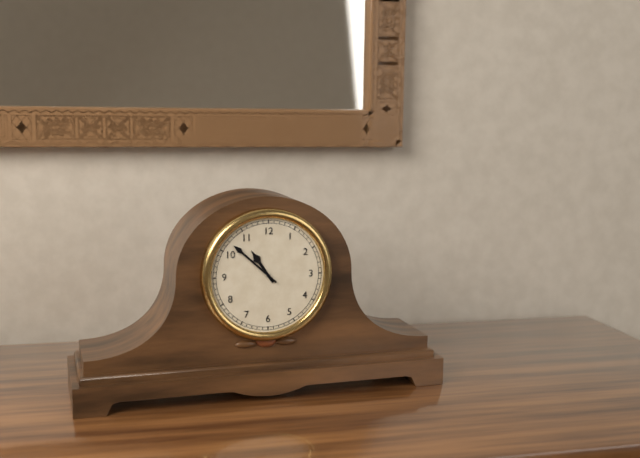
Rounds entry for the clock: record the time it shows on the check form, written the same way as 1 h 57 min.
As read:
10 h 52 min
